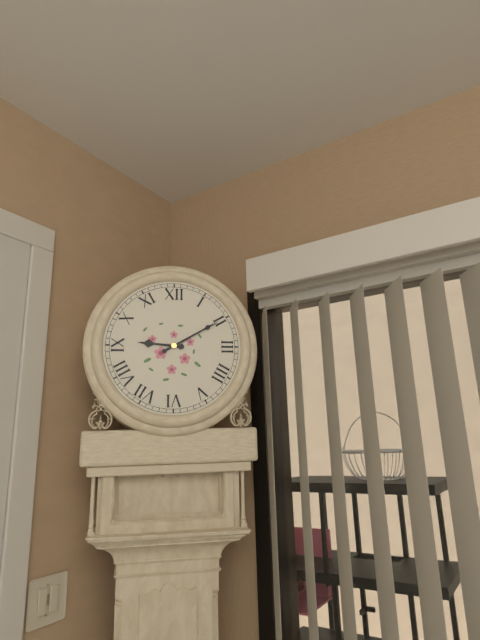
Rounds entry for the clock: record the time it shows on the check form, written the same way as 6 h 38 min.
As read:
9 h 10 min
